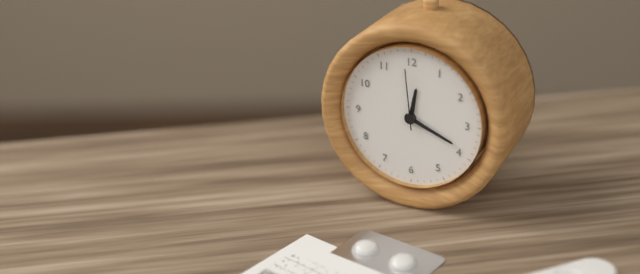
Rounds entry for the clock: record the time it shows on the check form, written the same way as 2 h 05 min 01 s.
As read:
12 h 19 min 59 s
